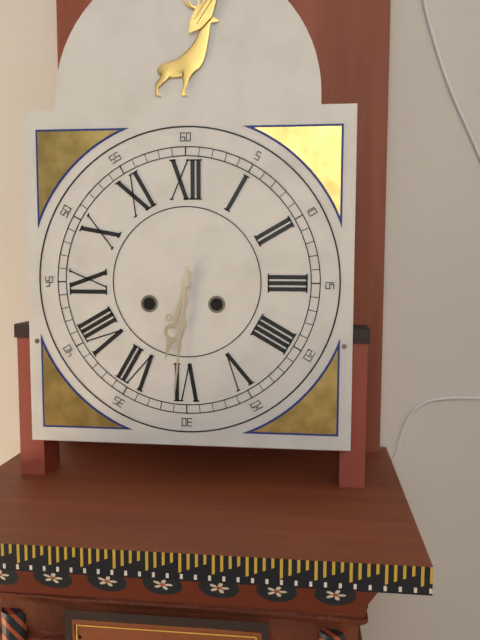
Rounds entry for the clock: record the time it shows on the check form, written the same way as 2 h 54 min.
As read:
6 h 31 min
